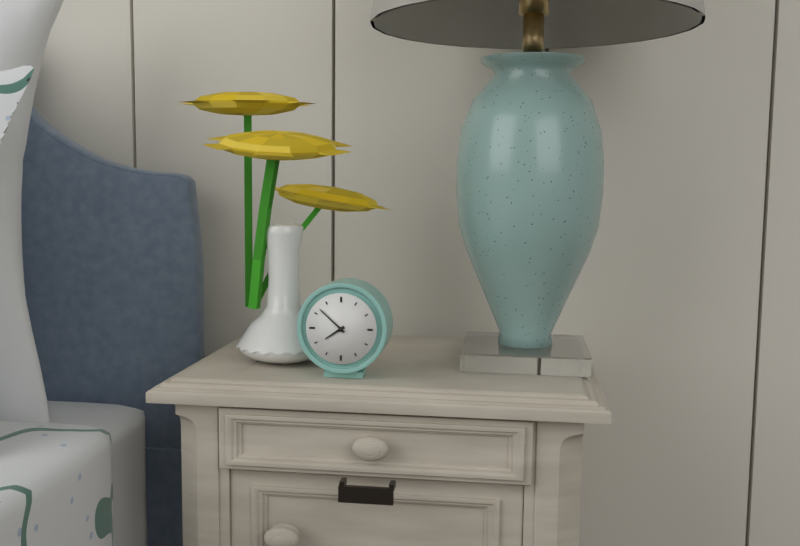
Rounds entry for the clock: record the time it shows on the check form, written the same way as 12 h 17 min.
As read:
7 h 52 min
